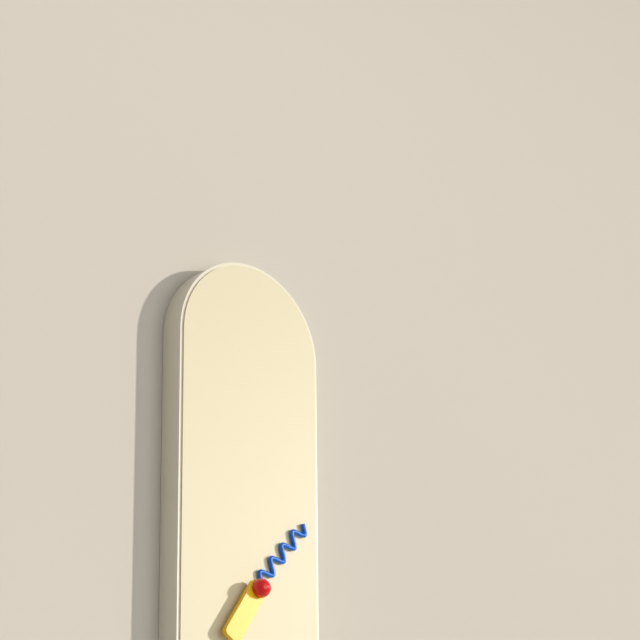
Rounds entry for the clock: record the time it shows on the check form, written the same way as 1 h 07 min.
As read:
7 h 07 min
